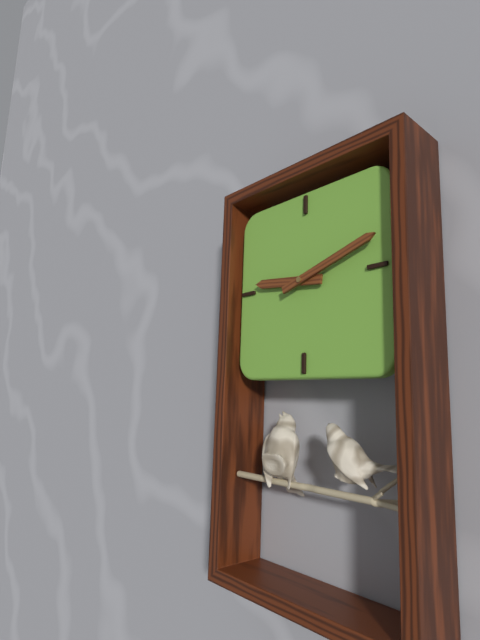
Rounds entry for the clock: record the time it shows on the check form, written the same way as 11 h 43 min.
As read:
9 h 12 min
